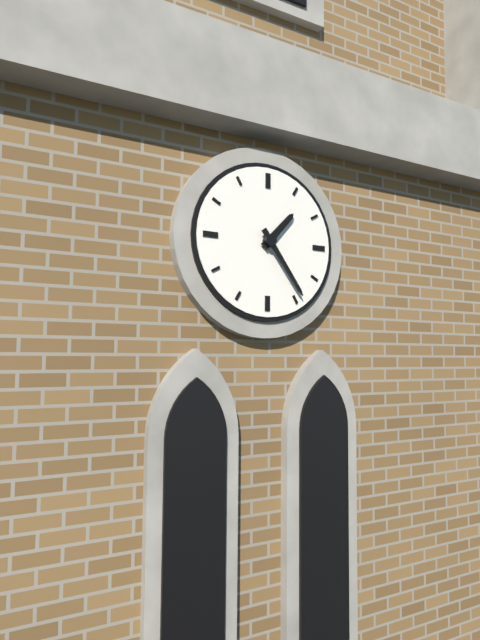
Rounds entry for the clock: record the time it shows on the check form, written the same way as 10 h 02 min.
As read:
1 h 24 min
